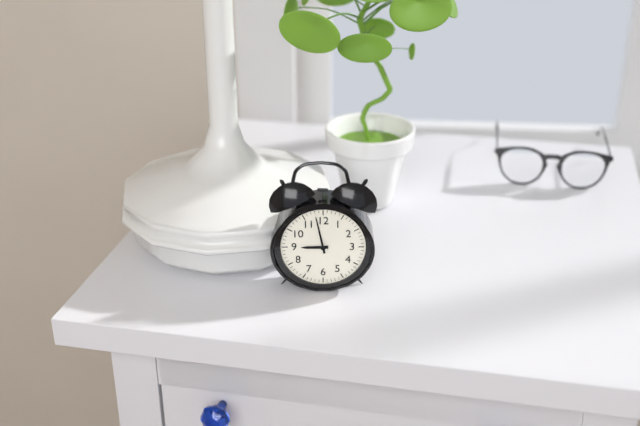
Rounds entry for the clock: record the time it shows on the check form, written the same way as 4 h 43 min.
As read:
8 h 58 min
